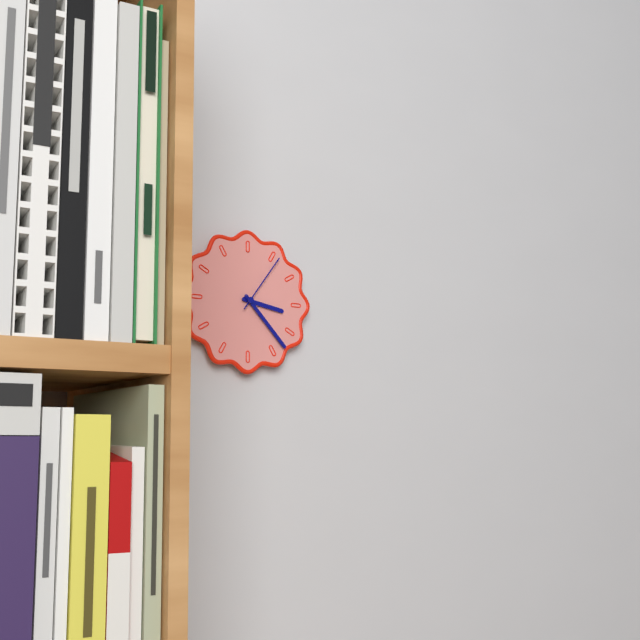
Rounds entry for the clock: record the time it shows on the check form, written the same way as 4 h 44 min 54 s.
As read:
3 h 23 min 06 s
